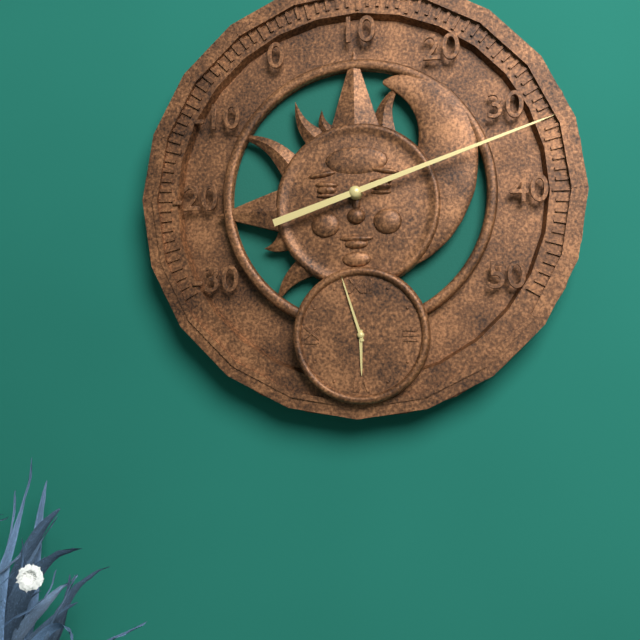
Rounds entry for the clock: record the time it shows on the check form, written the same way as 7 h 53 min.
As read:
5 h 57 min
